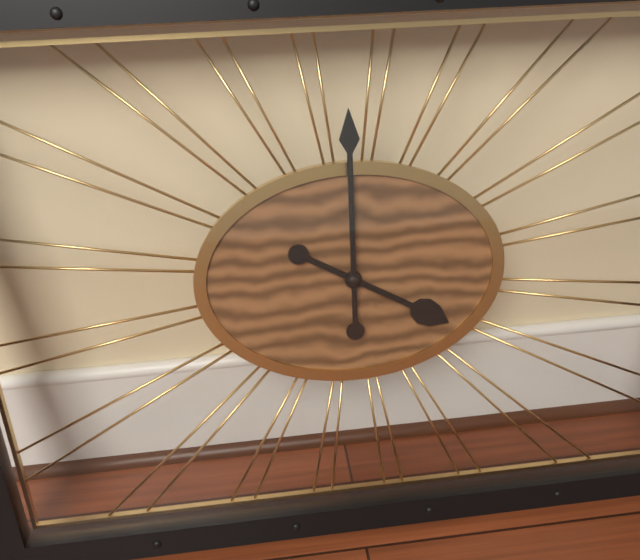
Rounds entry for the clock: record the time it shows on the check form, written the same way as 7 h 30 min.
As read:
4 h 00 min
